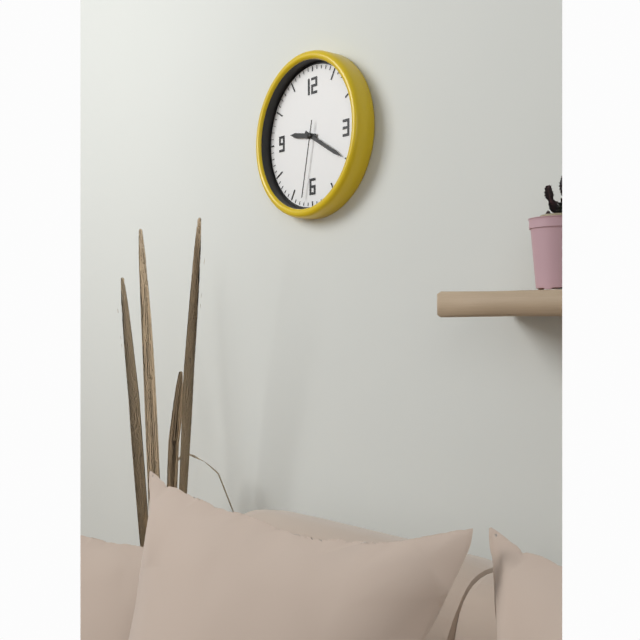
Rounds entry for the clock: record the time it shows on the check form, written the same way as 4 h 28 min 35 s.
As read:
9 h 20 min 32 s
